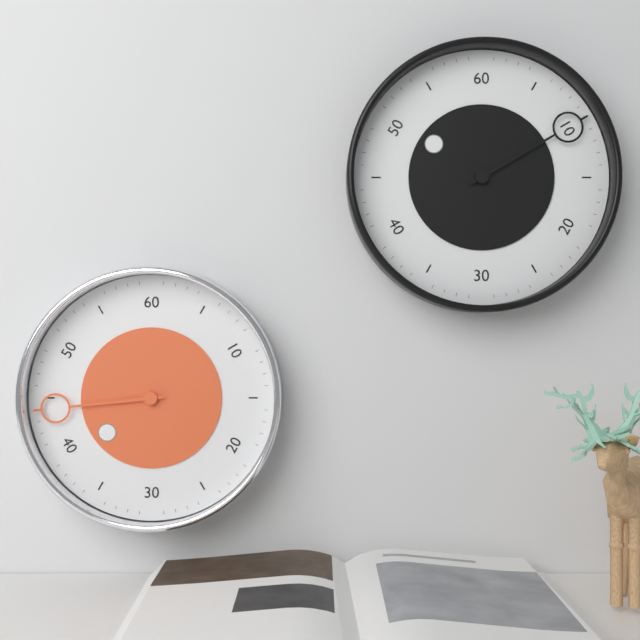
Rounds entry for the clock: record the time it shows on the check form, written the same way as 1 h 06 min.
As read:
7 h 44 min
